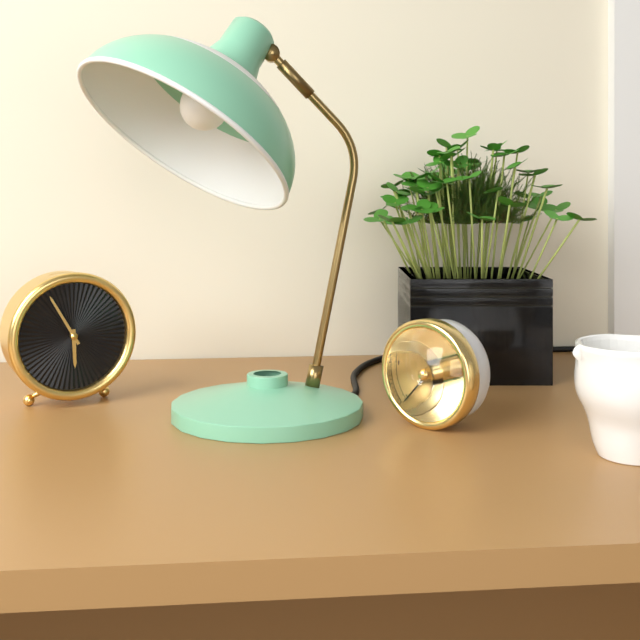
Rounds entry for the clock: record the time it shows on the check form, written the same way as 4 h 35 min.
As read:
5 h 55 min
